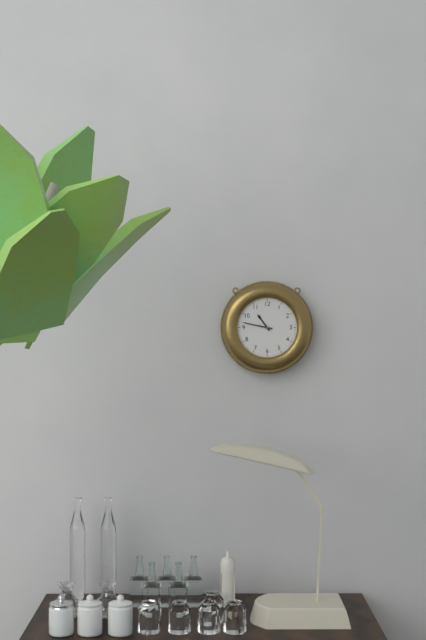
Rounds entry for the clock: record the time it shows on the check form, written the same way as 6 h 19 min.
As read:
10 h 47 min
